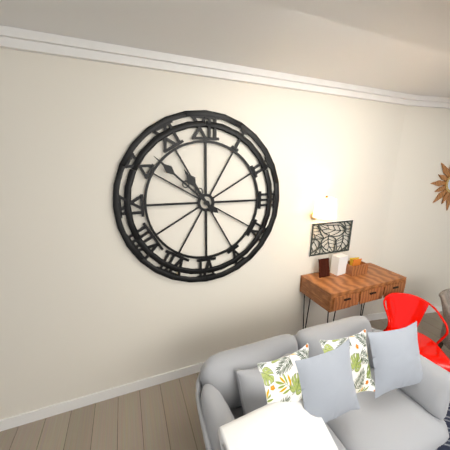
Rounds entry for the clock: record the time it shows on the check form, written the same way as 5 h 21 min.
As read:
10 h 52 min
